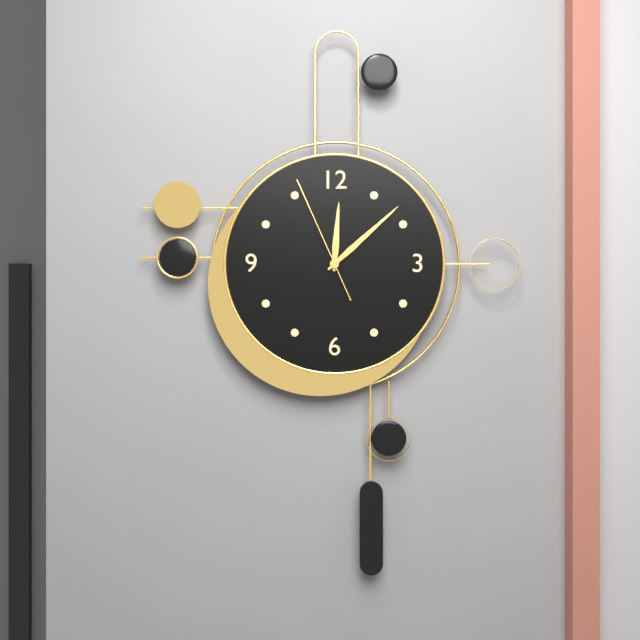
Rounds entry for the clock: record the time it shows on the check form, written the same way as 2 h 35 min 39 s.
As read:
12 h 08 min 56 s
